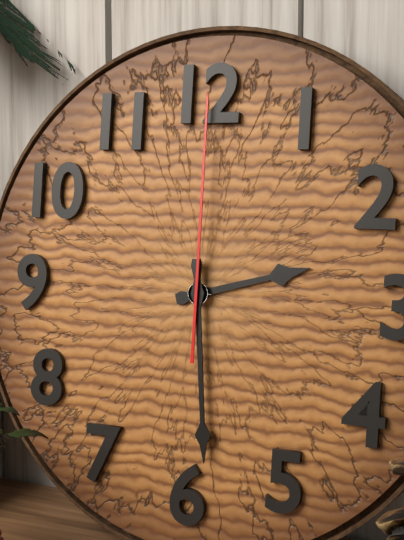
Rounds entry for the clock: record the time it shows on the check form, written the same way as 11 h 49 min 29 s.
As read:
2 h 29 min 00 s
